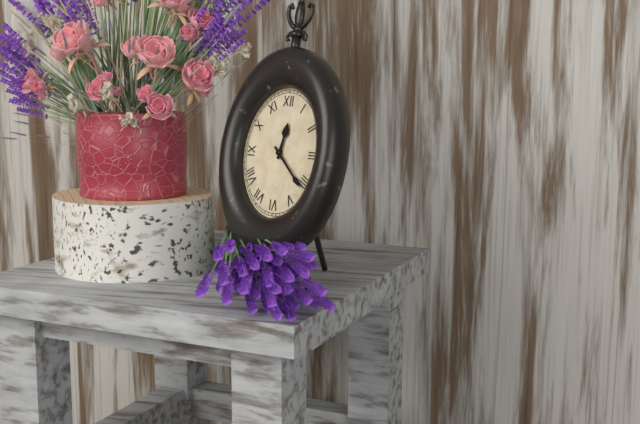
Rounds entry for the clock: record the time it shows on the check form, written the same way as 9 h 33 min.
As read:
12 h 22 min
